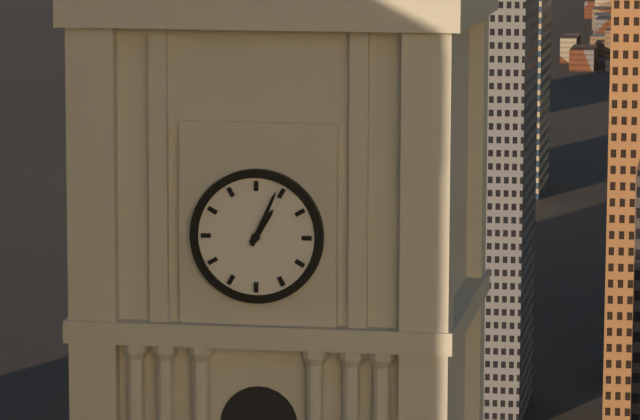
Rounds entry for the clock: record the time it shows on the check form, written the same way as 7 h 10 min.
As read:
1 h 04 min
